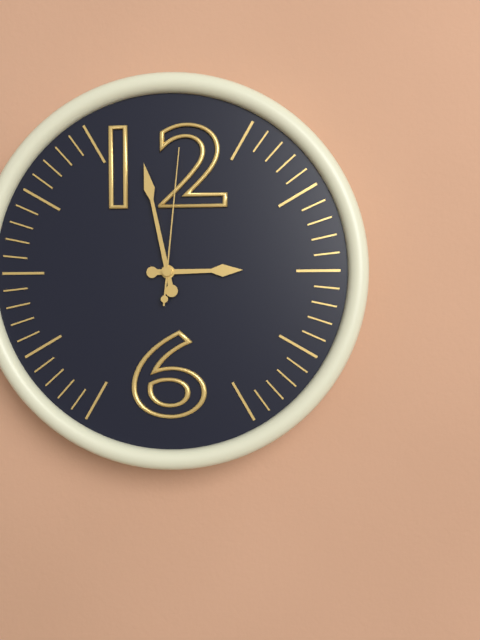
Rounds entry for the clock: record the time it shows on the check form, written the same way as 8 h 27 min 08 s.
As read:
2 h 58 min 01 s
